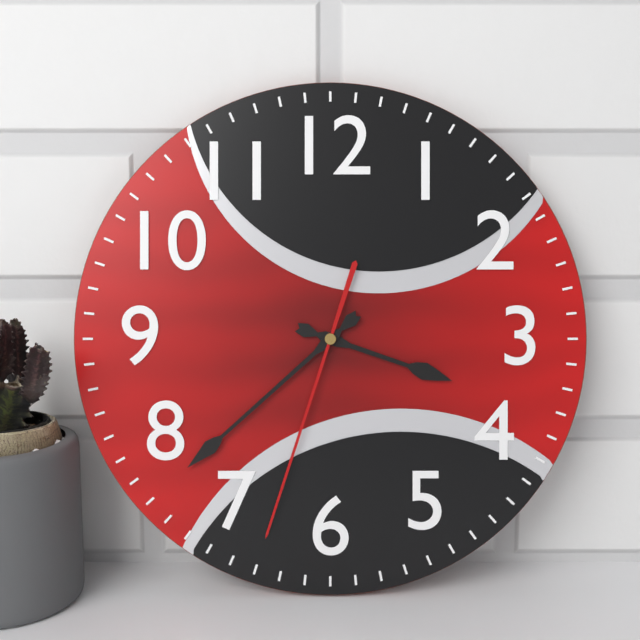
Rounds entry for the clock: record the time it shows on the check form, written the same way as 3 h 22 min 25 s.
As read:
3 h 38 min 33 s
